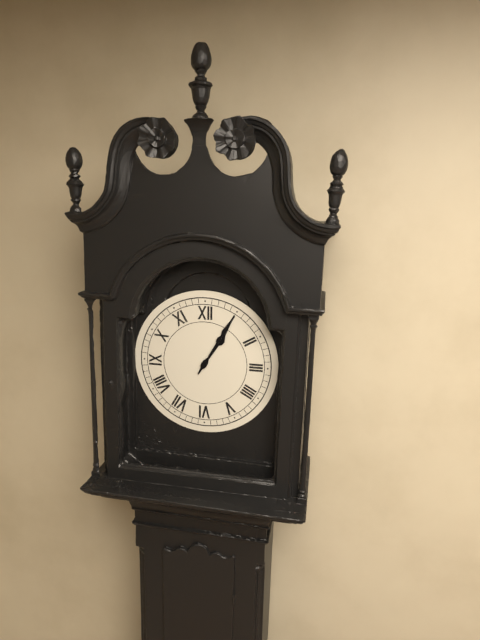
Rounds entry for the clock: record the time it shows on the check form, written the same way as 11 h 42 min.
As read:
1 h 05 min
